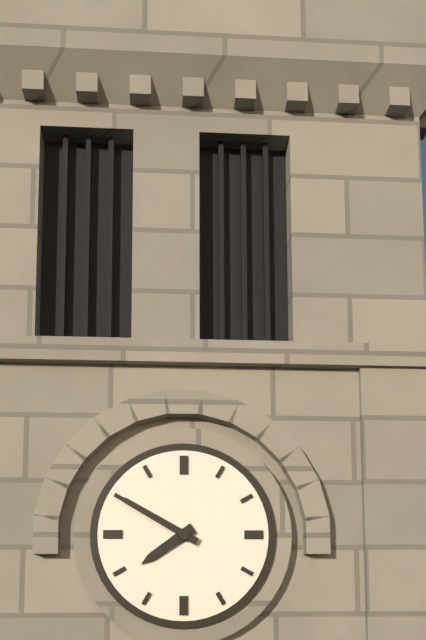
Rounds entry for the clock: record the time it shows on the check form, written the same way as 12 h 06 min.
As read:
7 h 50 min
